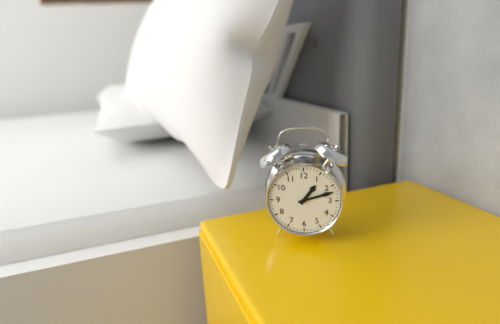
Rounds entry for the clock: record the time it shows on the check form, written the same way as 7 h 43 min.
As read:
1 h 12 min
